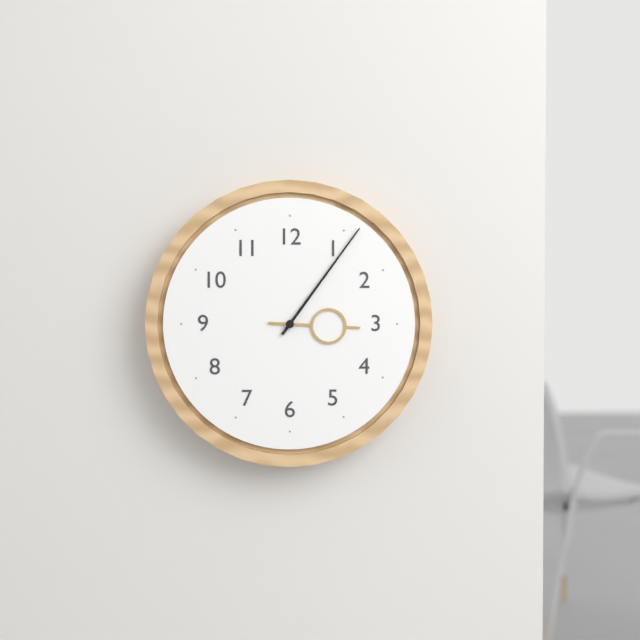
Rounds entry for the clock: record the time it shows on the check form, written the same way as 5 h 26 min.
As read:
3 h 06 min
